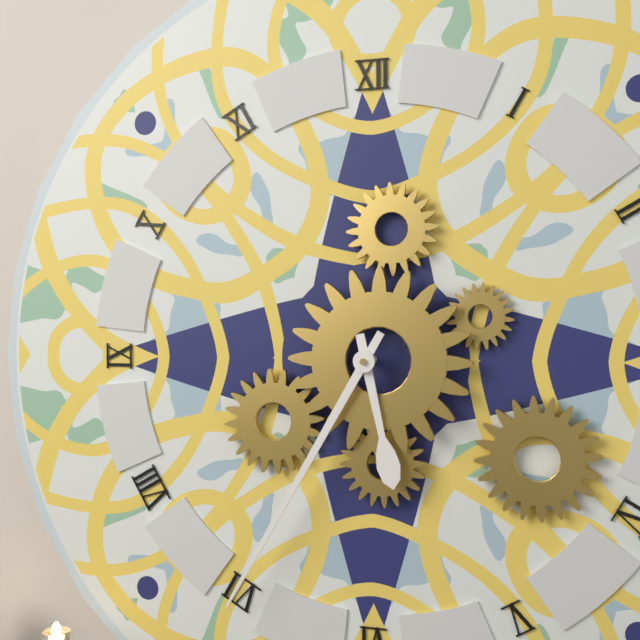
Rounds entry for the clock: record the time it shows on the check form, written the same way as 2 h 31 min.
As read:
5 h 35 min
